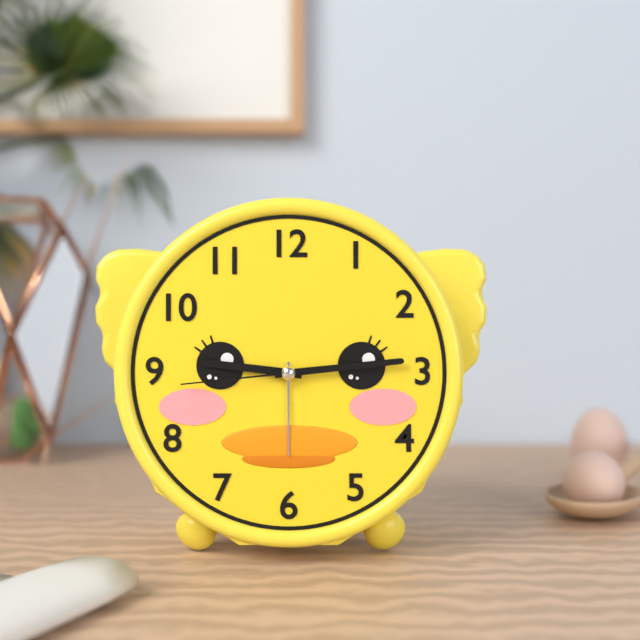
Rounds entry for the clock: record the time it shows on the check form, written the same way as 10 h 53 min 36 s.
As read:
9 h 14 min 44 s
